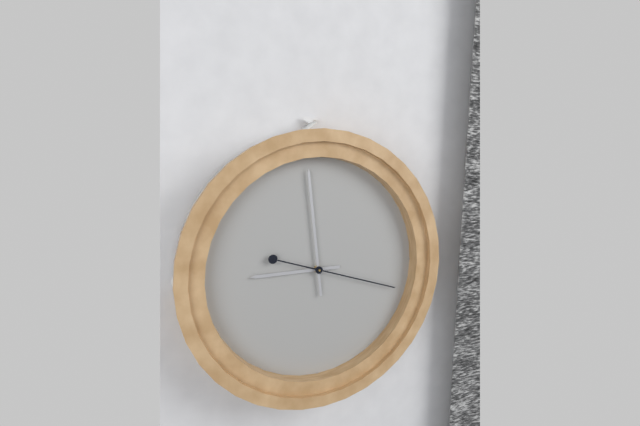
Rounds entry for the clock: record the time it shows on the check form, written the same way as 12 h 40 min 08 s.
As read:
8 h 59 min 18 s
